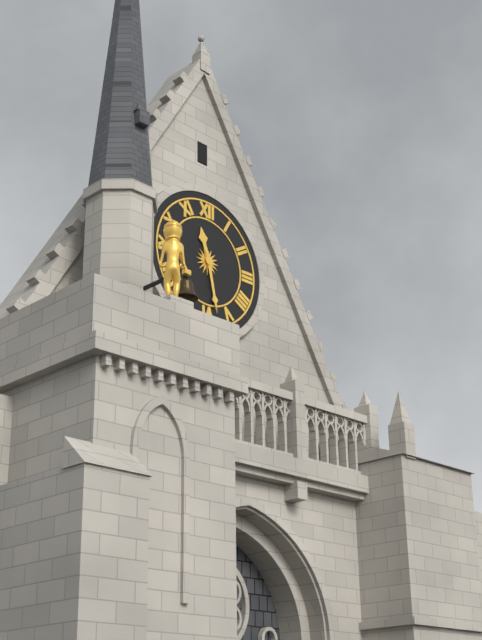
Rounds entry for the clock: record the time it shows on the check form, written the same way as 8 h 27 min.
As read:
11 h 28 min
